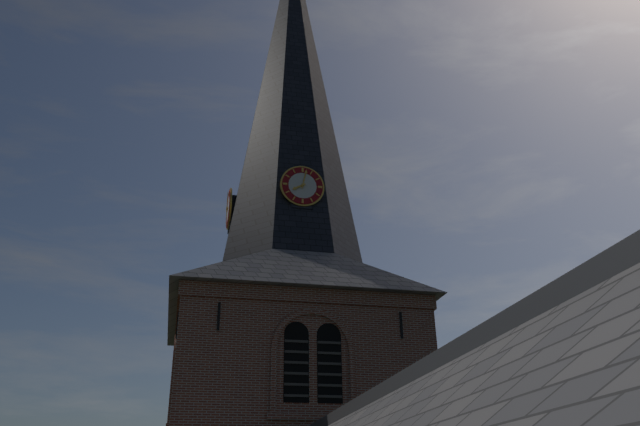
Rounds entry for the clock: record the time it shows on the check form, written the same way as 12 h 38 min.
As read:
8 h 02 min
